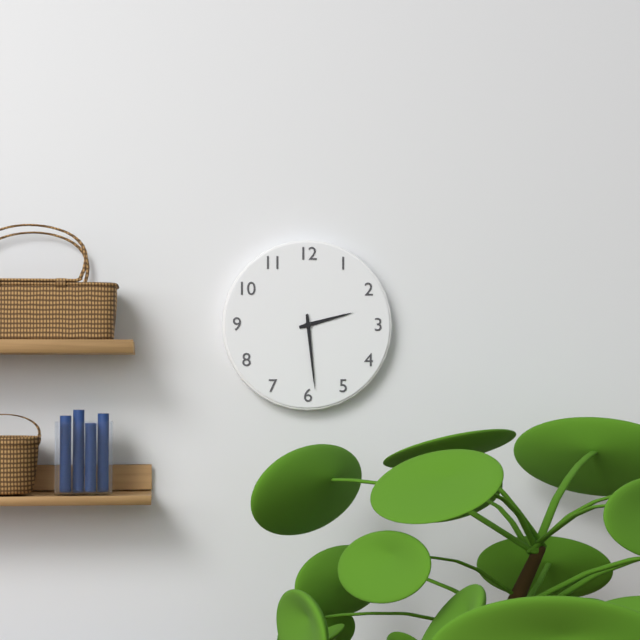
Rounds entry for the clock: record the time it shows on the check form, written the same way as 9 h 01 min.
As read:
2 h 29 min
